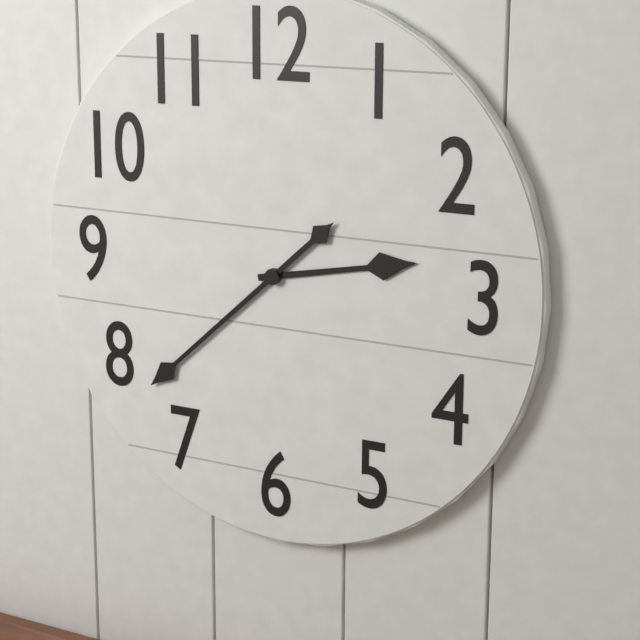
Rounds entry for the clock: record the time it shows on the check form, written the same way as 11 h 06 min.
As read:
2 h 38 min
